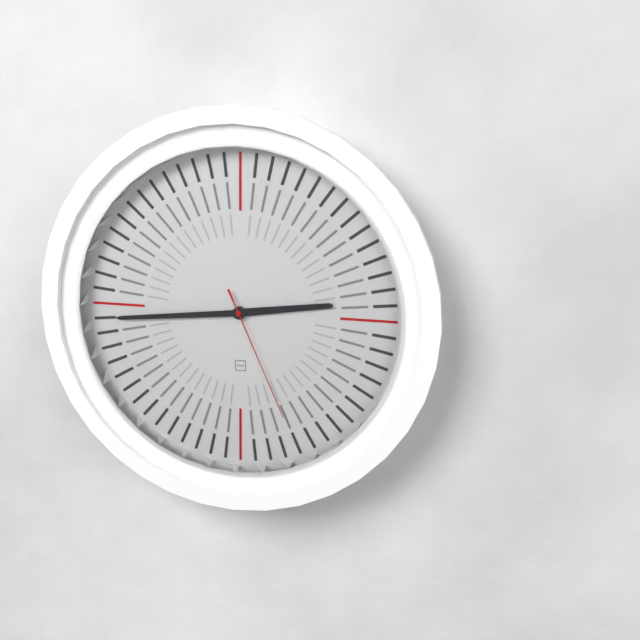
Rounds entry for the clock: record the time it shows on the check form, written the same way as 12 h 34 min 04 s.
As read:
2 h 44 min 26 s
